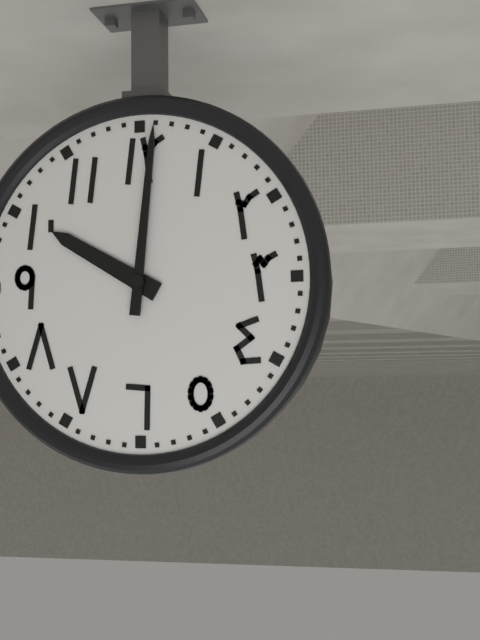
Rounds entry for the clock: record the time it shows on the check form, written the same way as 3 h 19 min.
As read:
10 h 01 min
